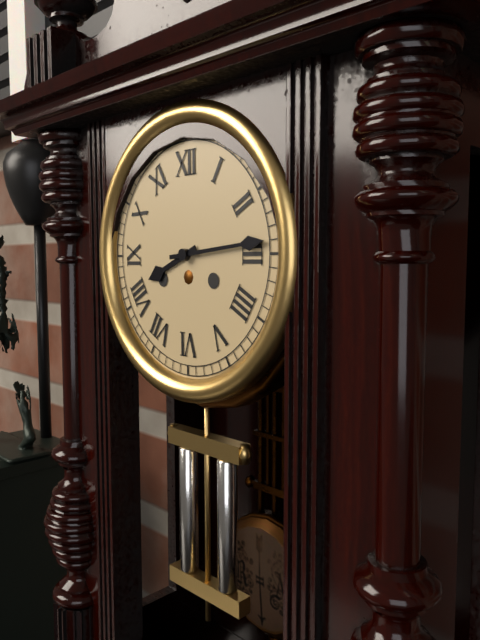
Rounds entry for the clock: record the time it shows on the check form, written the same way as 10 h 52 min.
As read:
8 h 14 min
